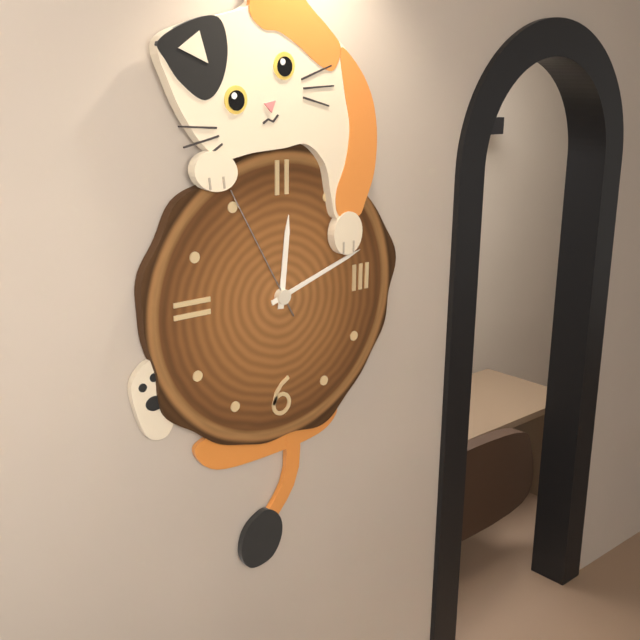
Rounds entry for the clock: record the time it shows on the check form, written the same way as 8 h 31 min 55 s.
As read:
12 h 12 min 55 s
